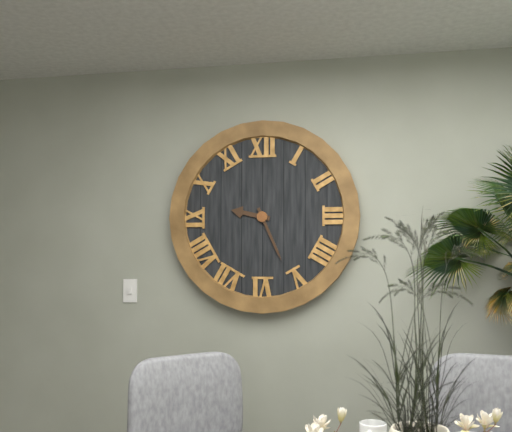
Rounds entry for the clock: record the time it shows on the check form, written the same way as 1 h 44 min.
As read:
9 h 26 min
